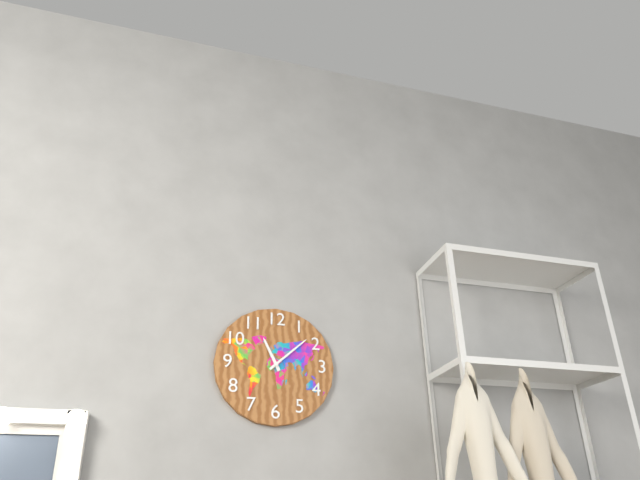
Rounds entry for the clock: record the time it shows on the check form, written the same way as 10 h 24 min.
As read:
11 h 08 min
